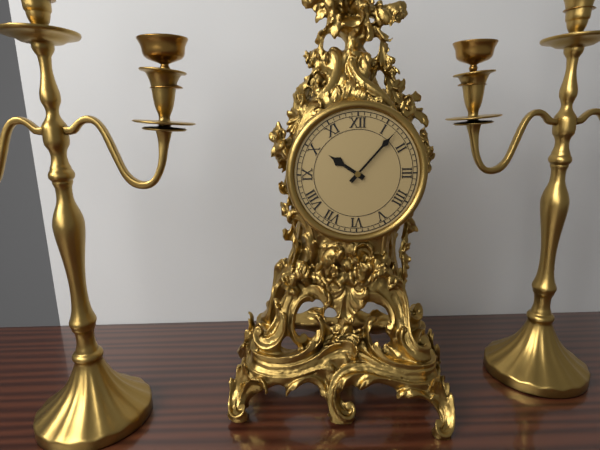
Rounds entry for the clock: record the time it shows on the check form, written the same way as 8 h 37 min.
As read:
10 h 07 min
